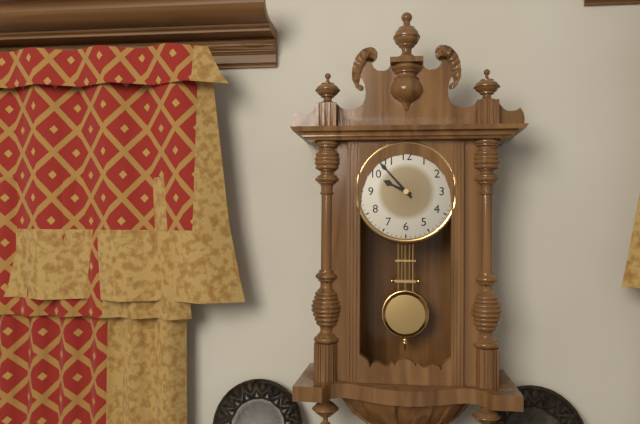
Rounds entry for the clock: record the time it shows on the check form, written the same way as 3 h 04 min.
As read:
9 h 53 min
